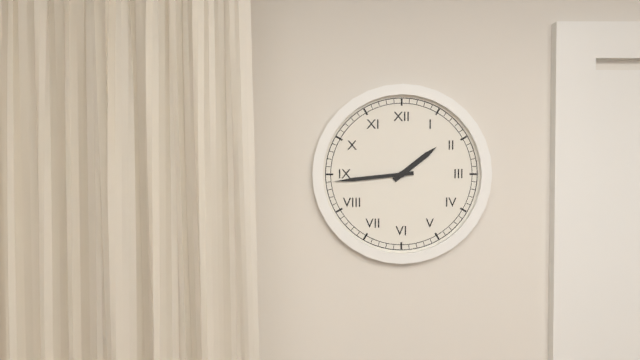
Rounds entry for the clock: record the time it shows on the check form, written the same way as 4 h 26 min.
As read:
1 h 44 min
